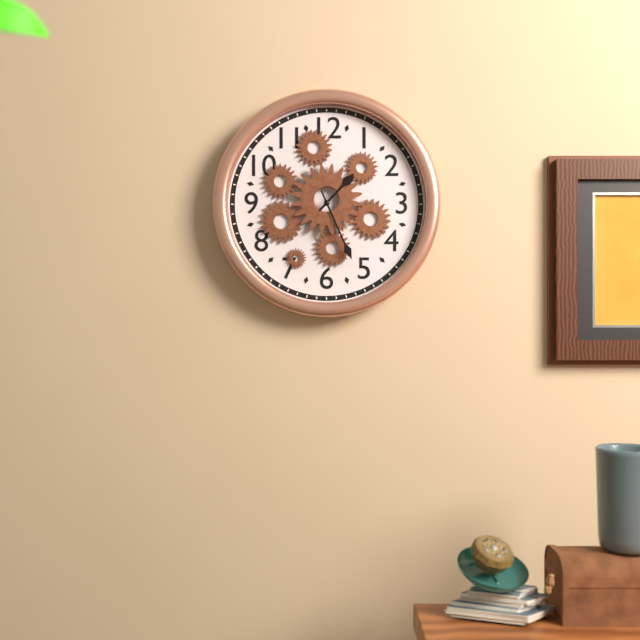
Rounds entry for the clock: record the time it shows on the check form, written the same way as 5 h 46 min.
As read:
1 h 26 min
